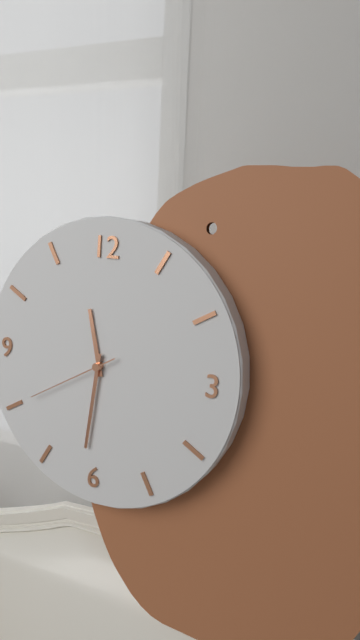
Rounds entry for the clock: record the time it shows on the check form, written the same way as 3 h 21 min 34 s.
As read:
11 h 31 min 40 s
